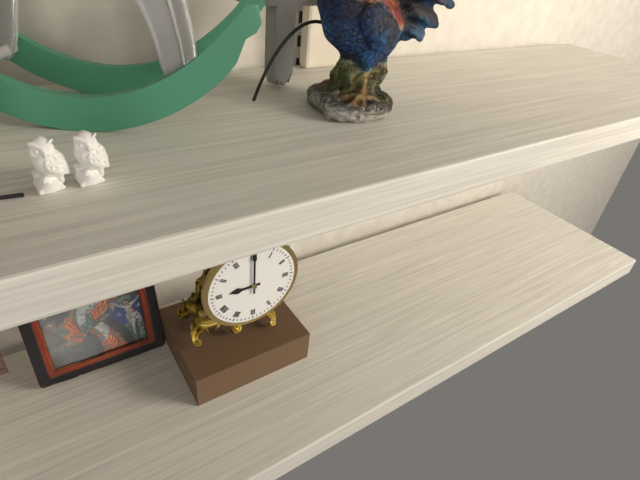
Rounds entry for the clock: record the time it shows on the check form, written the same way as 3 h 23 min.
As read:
9 h 00 min
